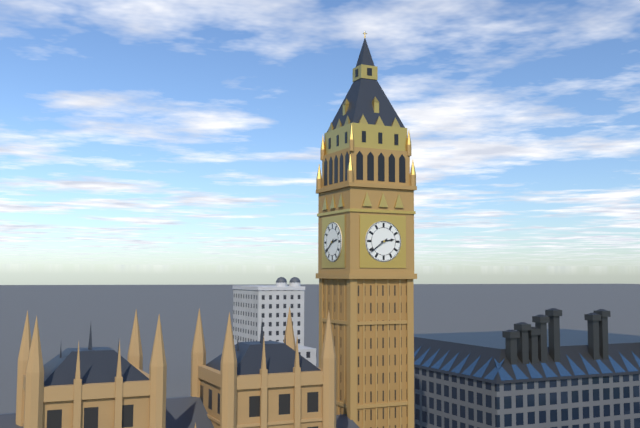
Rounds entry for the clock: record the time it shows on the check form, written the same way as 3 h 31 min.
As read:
2 h 39 min
